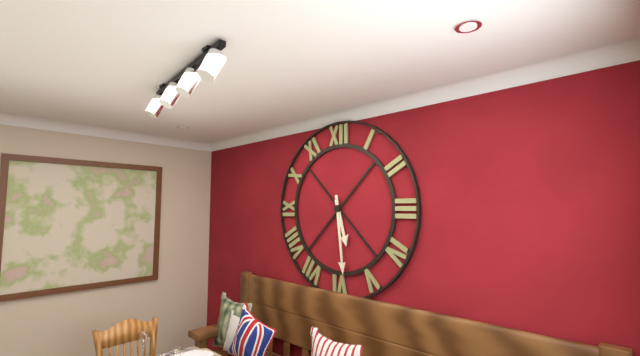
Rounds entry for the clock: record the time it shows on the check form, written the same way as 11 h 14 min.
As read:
5 h 29 min
